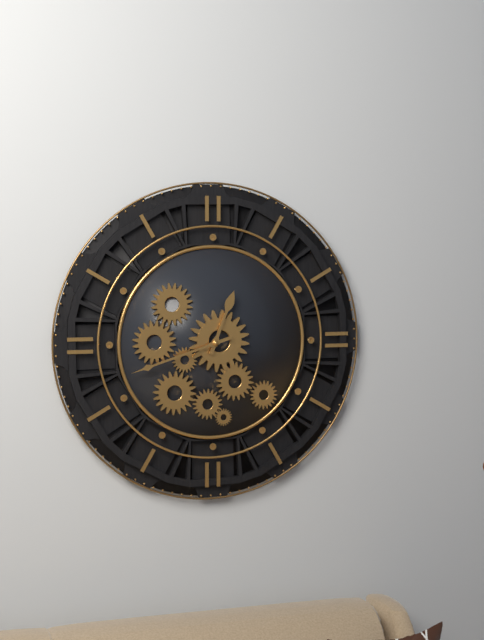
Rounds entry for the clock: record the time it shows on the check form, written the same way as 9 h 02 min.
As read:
12 h 42 min
